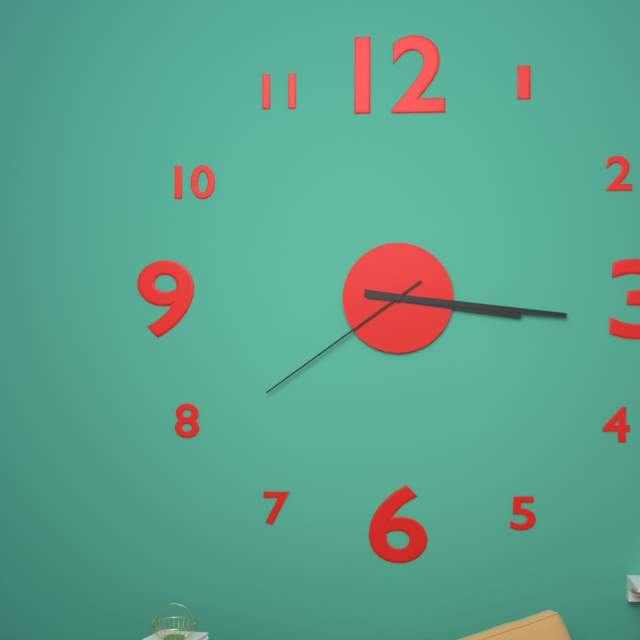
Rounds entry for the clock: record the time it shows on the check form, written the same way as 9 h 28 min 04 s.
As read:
3 h 16 min 39 s
